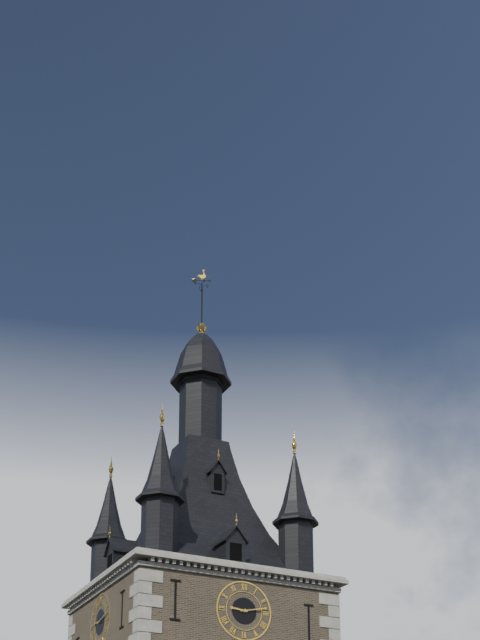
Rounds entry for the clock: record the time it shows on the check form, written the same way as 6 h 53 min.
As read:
9 h 13 min
